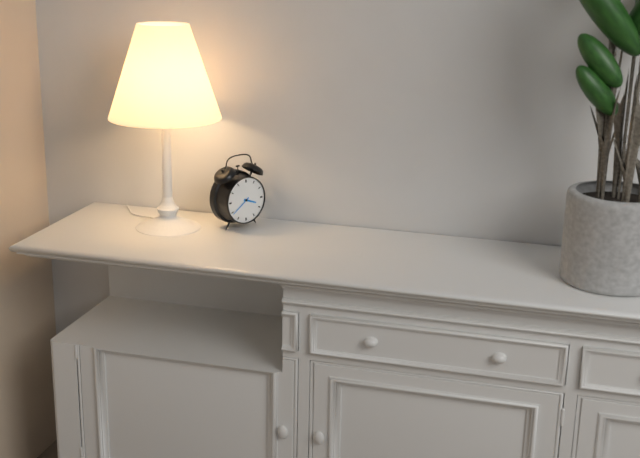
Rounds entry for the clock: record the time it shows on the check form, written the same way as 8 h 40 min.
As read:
3 h 39 min
